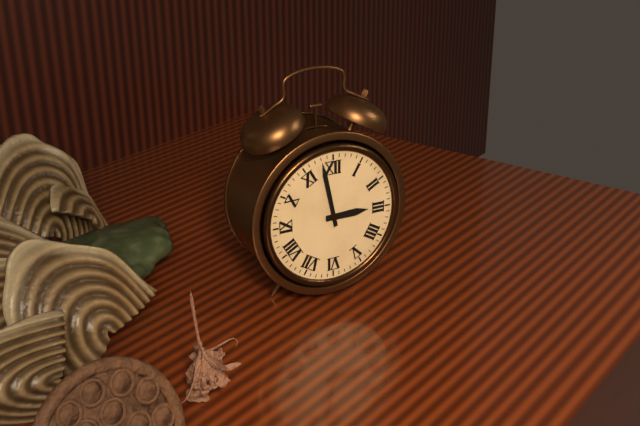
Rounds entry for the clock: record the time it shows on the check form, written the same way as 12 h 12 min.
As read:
2 h 58 min
